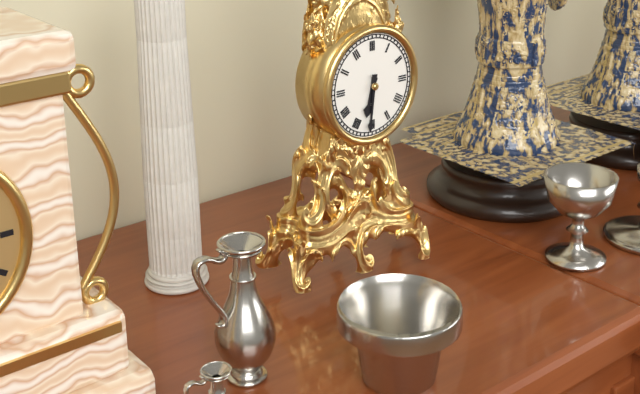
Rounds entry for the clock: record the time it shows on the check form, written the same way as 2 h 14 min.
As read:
6 h 31 min
